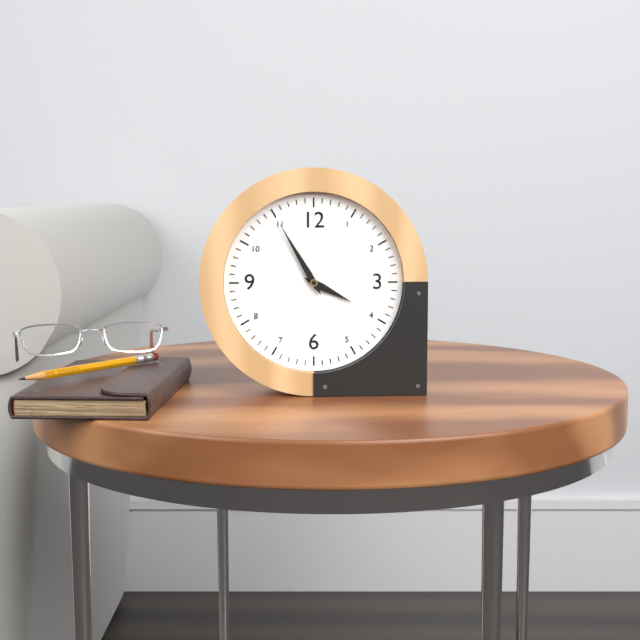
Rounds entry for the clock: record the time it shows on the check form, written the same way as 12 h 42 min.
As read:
3 h 55 min
